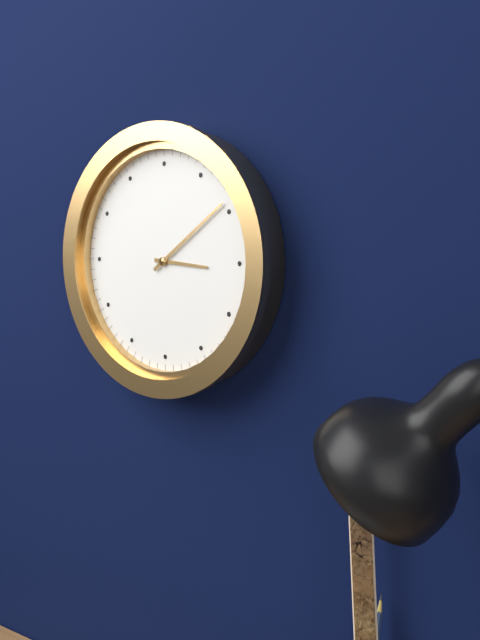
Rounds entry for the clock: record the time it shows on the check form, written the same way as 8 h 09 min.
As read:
3 h 09 min
